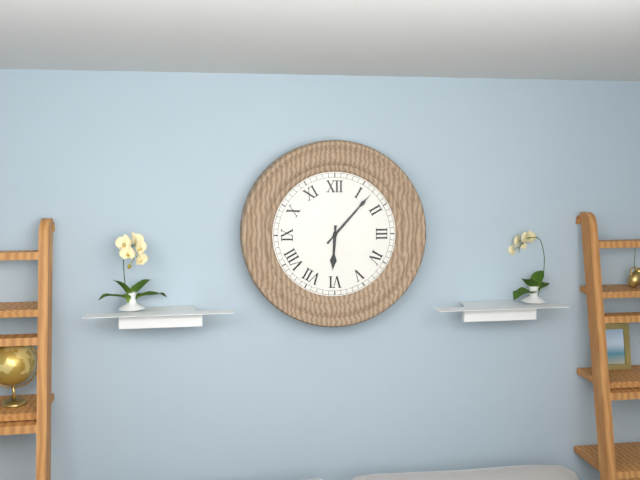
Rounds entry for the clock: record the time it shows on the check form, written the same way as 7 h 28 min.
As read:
6 h 07 min
